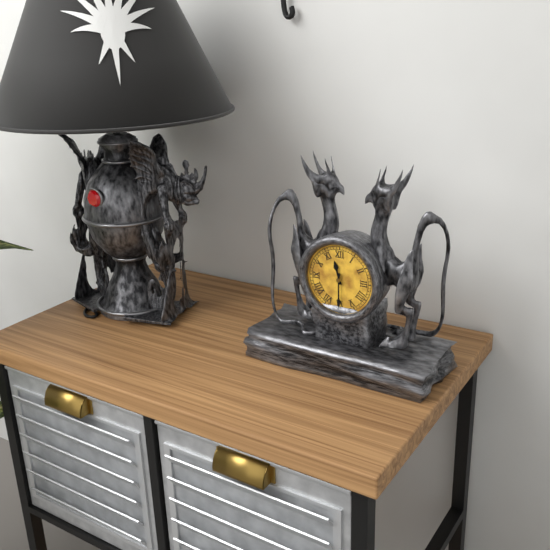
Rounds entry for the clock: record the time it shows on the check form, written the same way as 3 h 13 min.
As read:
11 h 30 min
